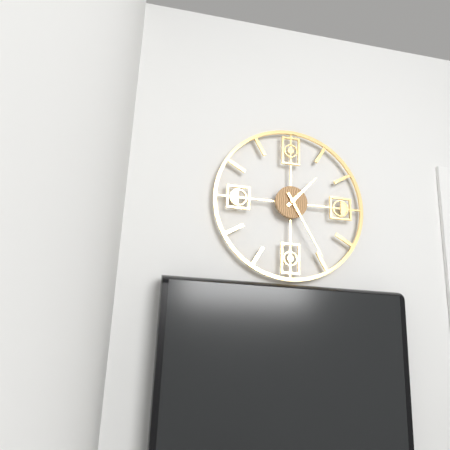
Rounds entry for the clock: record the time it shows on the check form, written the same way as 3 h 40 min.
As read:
1 h 25 min
